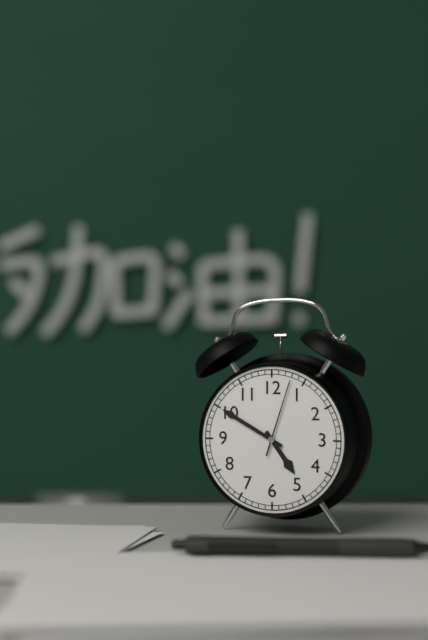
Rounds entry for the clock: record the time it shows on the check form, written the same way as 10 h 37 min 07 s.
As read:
4 h 50 min 03 s
